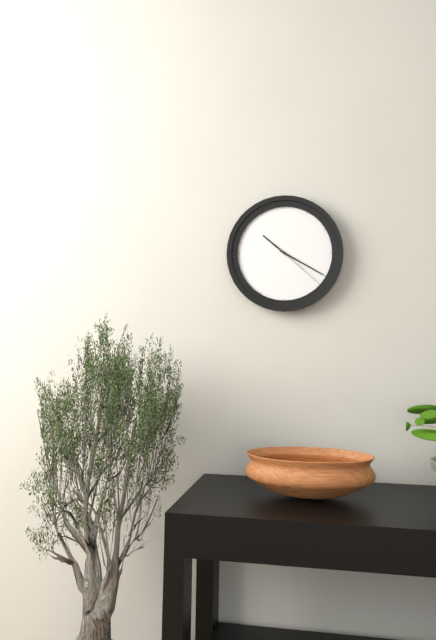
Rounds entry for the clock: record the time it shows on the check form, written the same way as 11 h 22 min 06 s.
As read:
10 h 20 min 22 s
